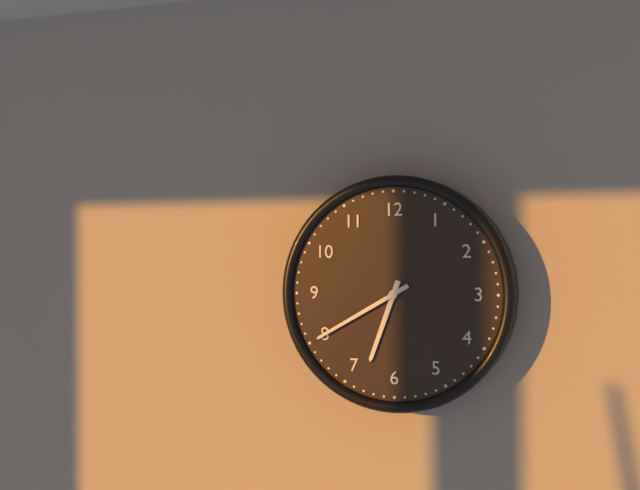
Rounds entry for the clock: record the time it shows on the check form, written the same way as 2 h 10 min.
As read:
6 h 40 min
